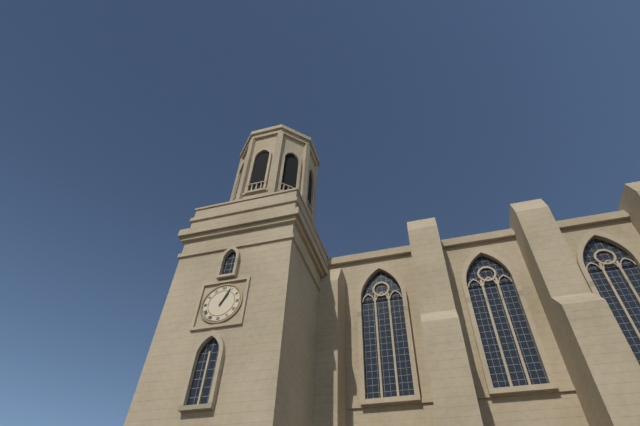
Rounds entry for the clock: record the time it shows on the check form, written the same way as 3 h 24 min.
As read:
1 h 04 min
